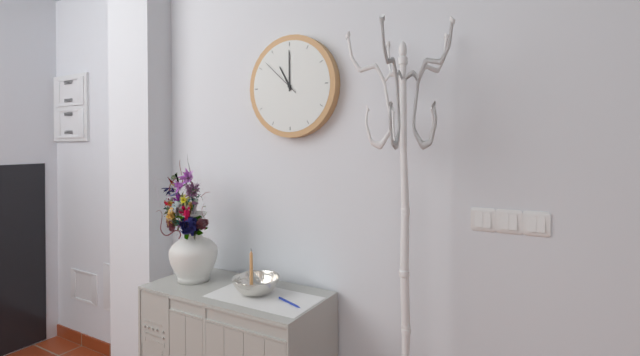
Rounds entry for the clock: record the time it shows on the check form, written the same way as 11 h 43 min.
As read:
11 h 00 min
